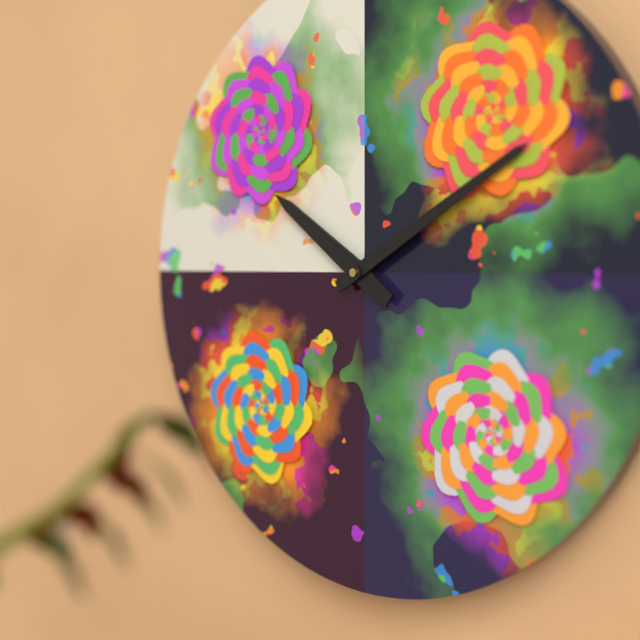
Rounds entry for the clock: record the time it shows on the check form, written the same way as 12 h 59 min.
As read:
10 h 10 min
